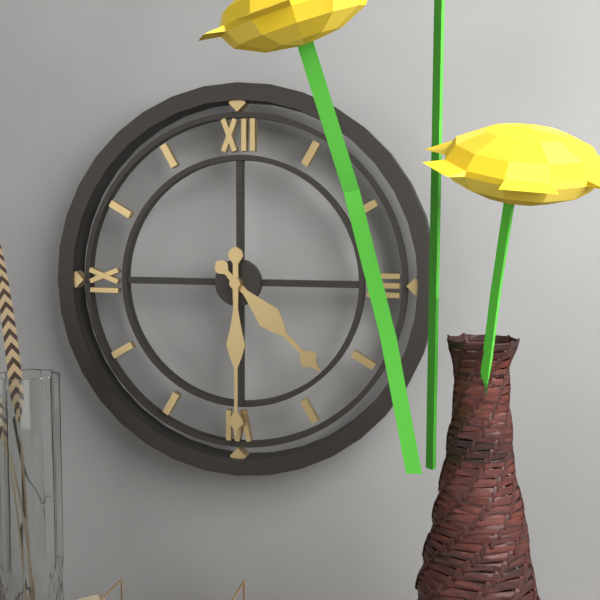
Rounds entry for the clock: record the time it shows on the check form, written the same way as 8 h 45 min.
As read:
4 h 30 min
